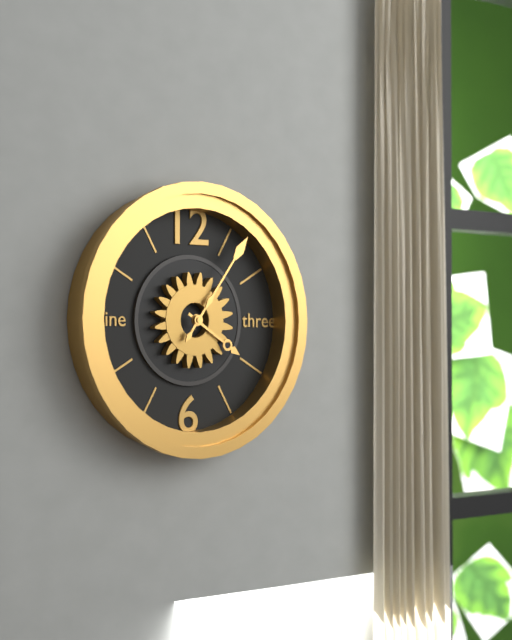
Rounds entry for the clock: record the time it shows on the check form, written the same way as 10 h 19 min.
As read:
4 h 06 min
